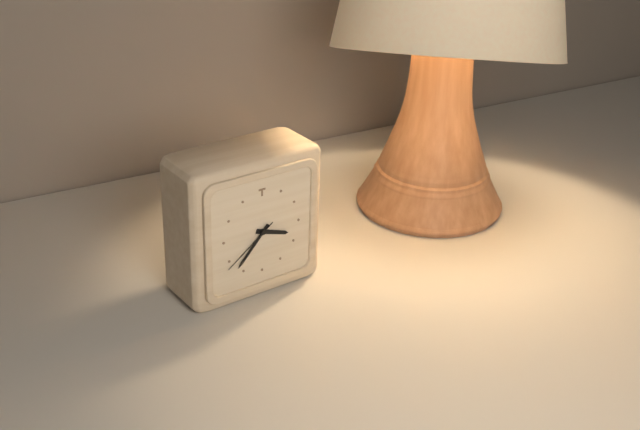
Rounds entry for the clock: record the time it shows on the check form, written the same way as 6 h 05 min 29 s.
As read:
3 h 37 min 39 s
